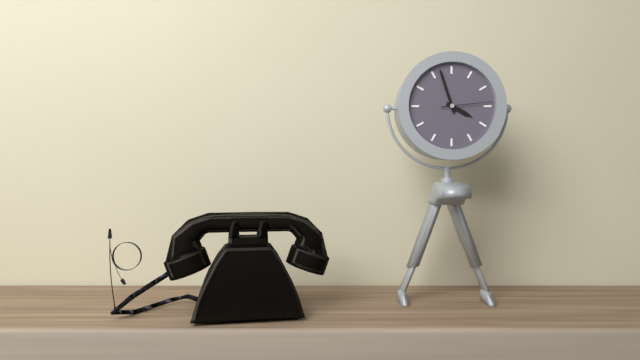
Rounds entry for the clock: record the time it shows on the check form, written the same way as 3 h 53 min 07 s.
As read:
3 h 57 min 14 s
